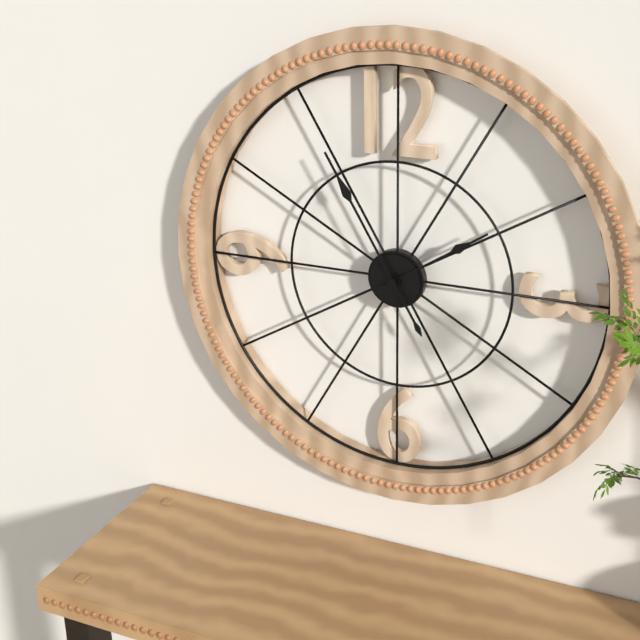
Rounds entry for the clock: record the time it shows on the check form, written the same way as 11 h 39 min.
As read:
1 h 55 min
